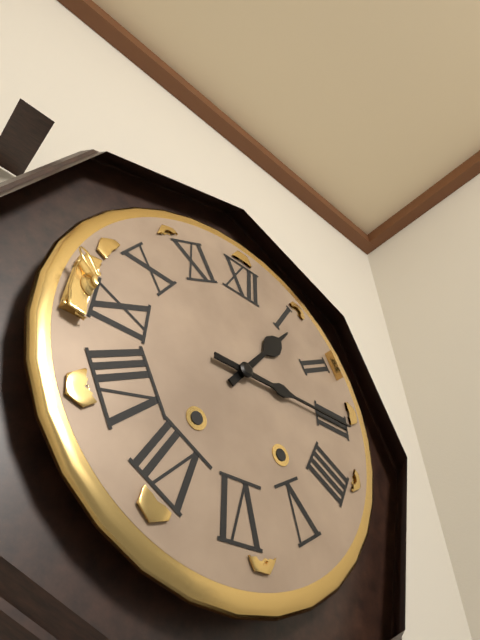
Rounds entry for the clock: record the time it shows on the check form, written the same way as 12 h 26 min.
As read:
1 h 15 min
